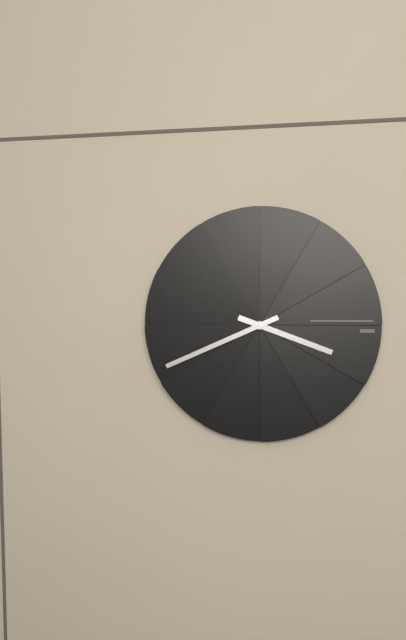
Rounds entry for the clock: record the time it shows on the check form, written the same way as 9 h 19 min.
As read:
3 h 41 min
